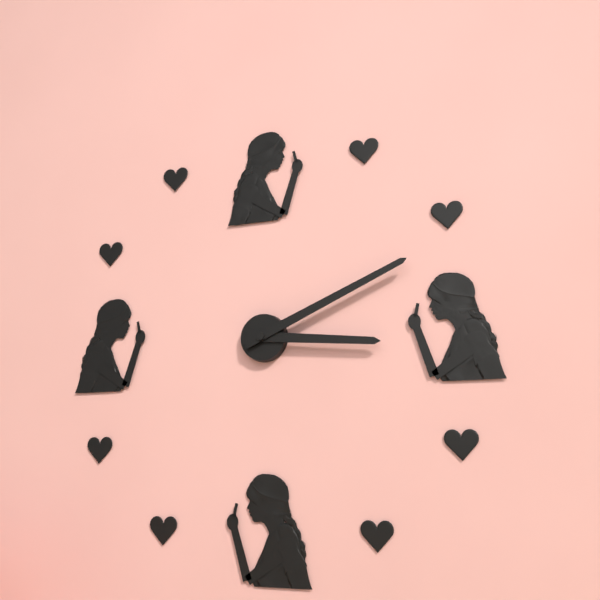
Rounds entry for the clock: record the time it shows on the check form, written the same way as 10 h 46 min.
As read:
3 h 11 min
